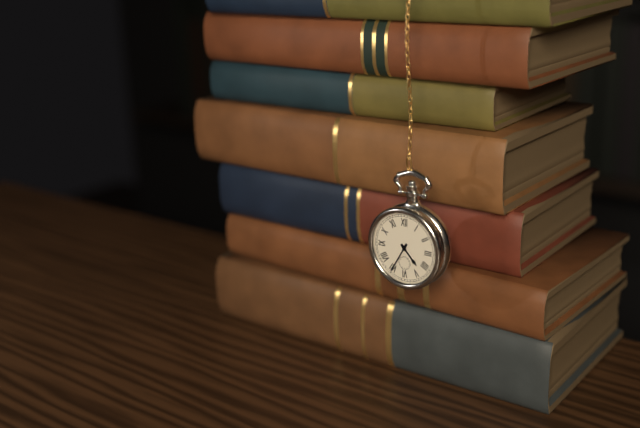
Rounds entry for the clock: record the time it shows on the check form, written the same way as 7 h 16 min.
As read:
4 h 35 min
